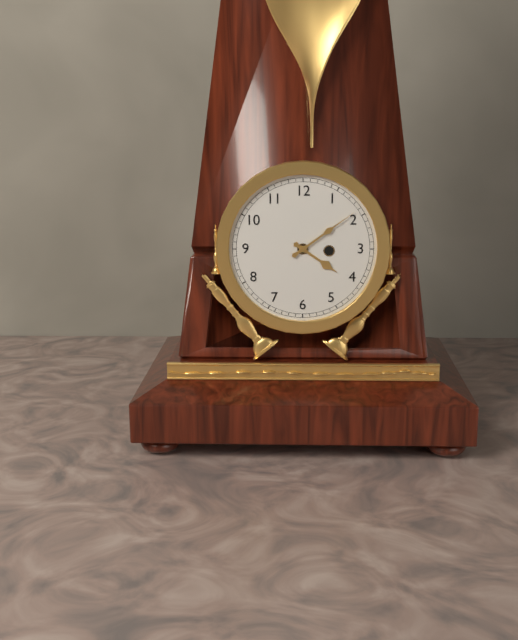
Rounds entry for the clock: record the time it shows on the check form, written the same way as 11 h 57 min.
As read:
4 h 09 min
